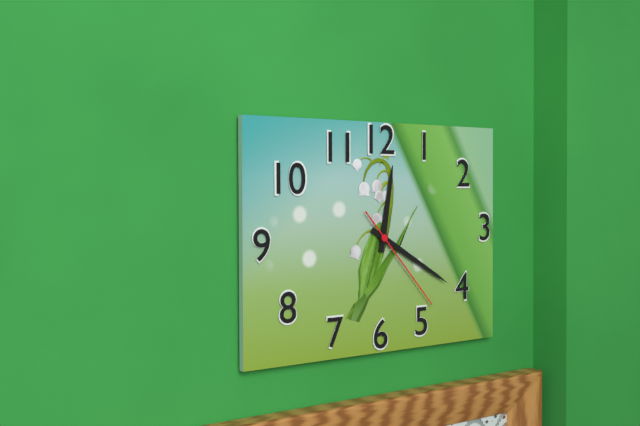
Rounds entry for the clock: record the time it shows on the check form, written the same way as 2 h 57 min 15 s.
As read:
12 h 20 min 23 s
